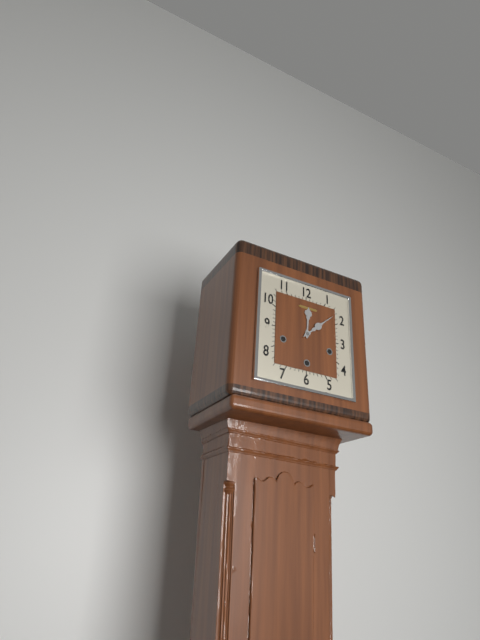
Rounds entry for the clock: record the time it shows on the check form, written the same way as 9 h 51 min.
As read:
12 h 08 min
